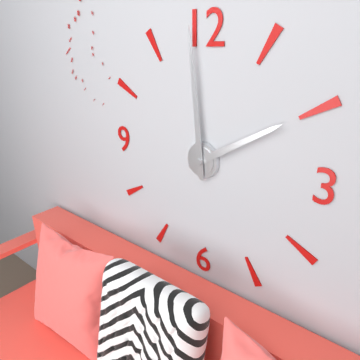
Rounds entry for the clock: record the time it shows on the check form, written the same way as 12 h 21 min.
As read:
1 h 59 min
